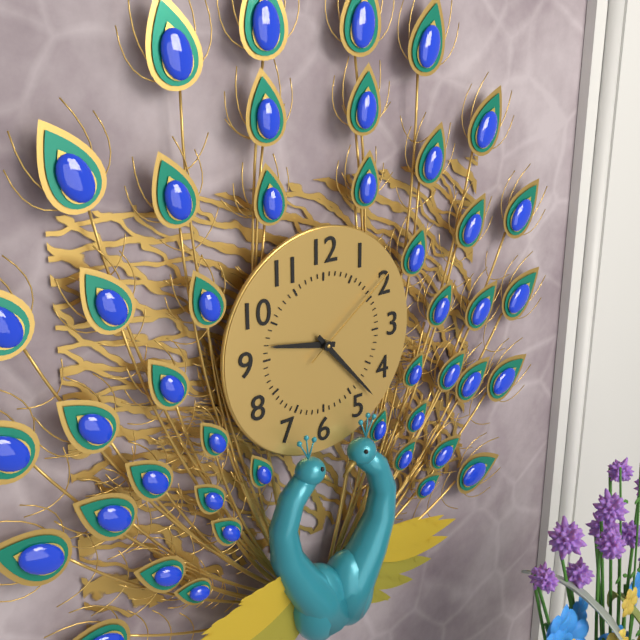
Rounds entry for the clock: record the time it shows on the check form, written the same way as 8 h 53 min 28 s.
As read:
9 h 23 min 09 s
